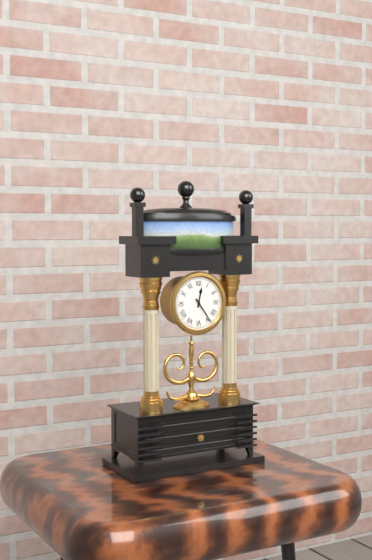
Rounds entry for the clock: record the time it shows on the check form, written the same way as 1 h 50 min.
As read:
12 h 24 min
